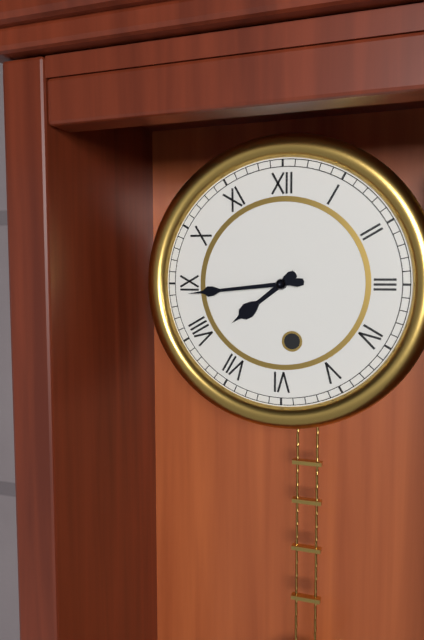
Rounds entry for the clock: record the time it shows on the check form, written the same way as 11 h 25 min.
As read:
7 h 44 min
